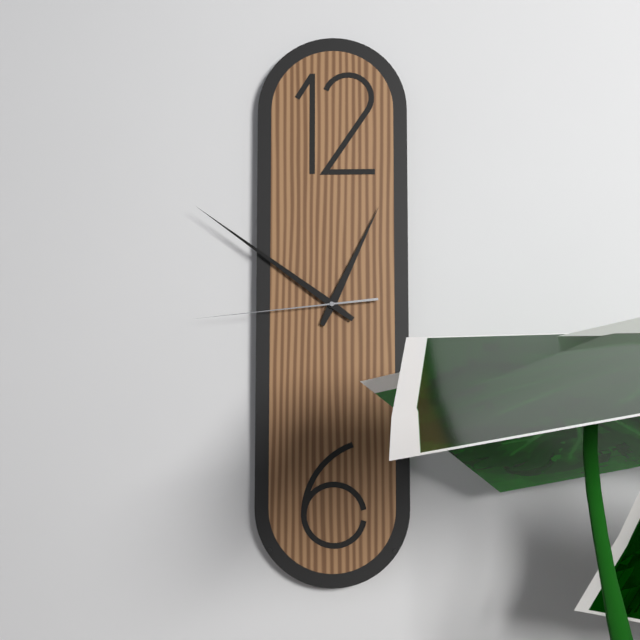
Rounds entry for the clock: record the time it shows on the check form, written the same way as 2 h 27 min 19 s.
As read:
12 h 51 min 44 s
